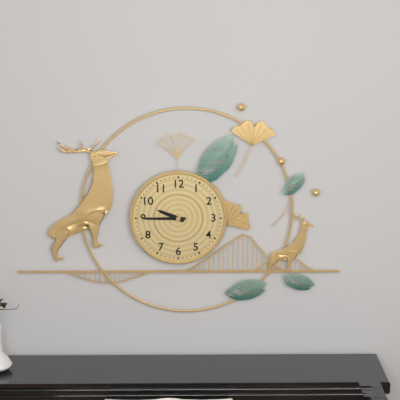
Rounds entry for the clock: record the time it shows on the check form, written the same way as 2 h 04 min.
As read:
9 h 45 min
